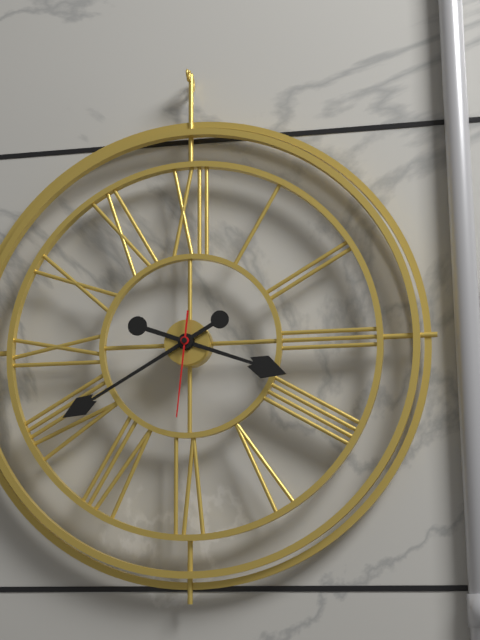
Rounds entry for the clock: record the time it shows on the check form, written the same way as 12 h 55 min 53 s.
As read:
3 h 40 min 31 s
